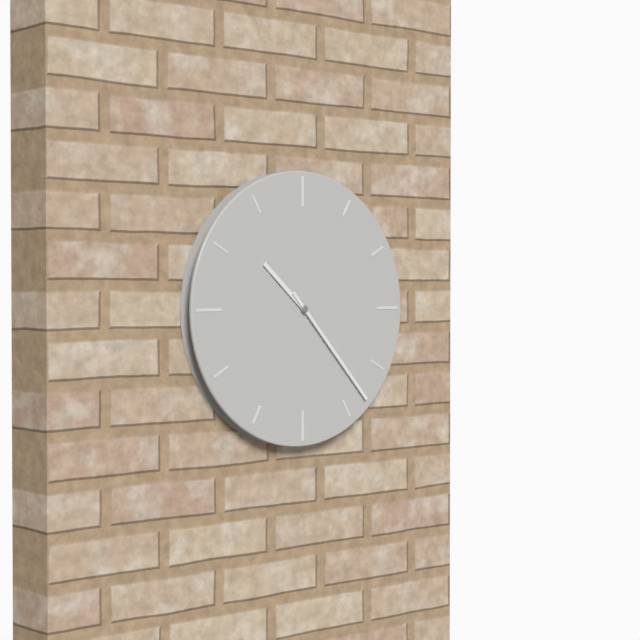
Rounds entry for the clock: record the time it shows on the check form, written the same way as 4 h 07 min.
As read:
10 h 23 min
